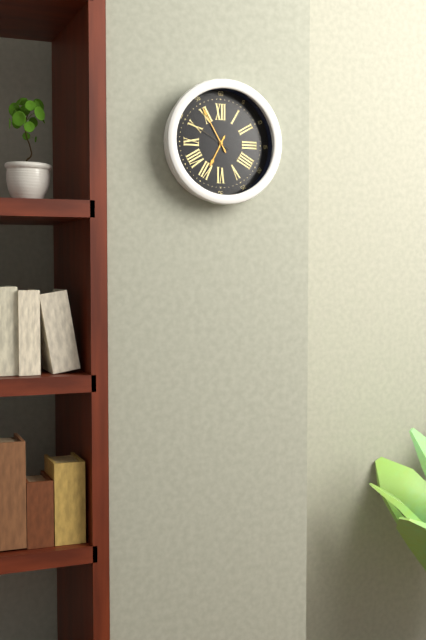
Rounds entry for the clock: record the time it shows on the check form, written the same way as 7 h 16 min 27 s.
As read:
6 h 55 min 50 s
